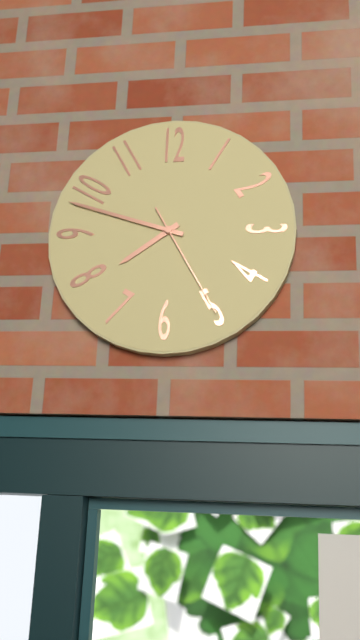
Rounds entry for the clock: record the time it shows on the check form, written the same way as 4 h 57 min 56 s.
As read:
7 h 48 min 25 s
